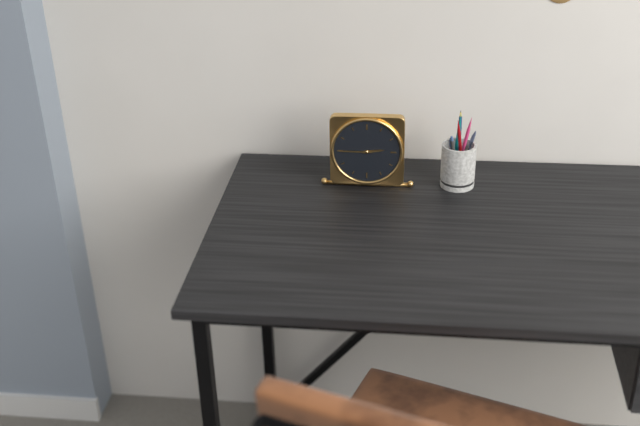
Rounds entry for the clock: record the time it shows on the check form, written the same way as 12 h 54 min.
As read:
2 h 45 min
